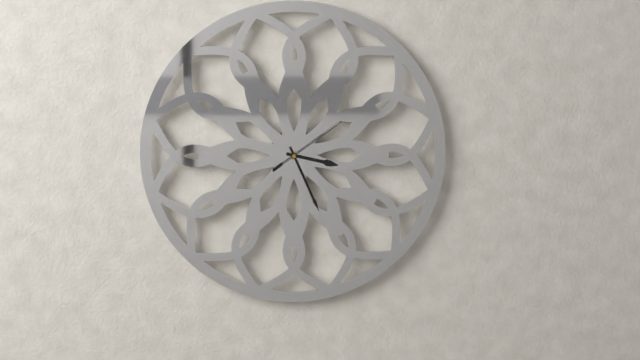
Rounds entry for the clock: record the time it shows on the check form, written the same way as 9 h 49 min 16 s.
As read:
3 h 26 min 09 s
